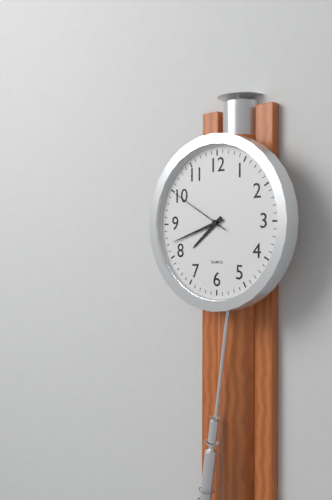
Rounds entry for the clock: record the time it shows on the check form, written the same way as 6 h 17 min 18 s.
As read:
7 h 42 min 50 s
